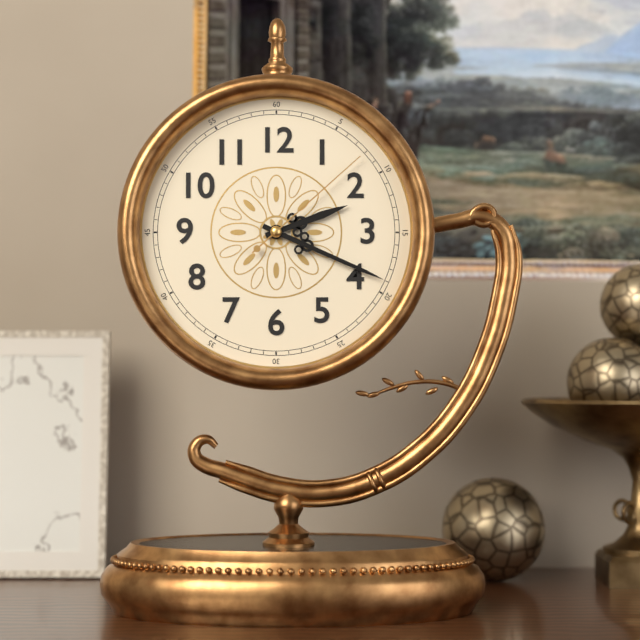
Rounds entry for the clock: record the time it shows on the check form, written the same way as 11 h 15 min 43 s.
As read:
2 h 19 min 08 s
